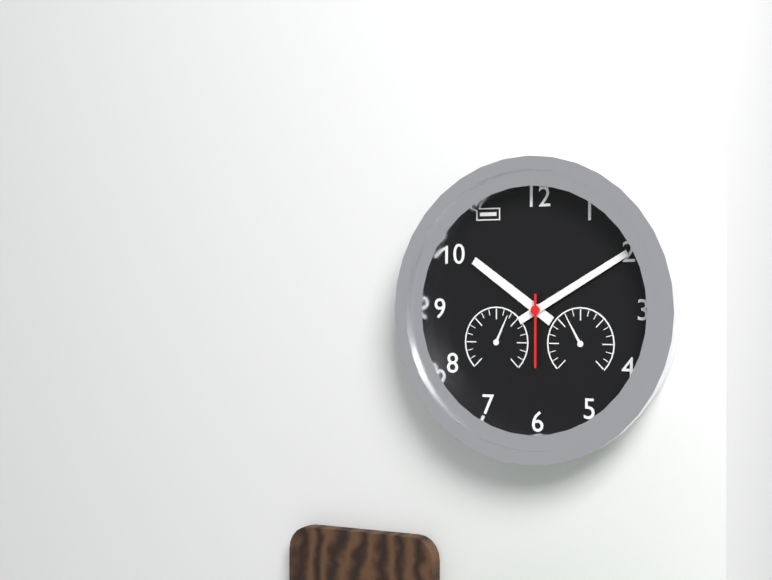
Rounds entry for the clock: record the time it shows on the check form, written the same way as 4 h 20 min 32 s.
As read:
10 h 10 min 30 s
